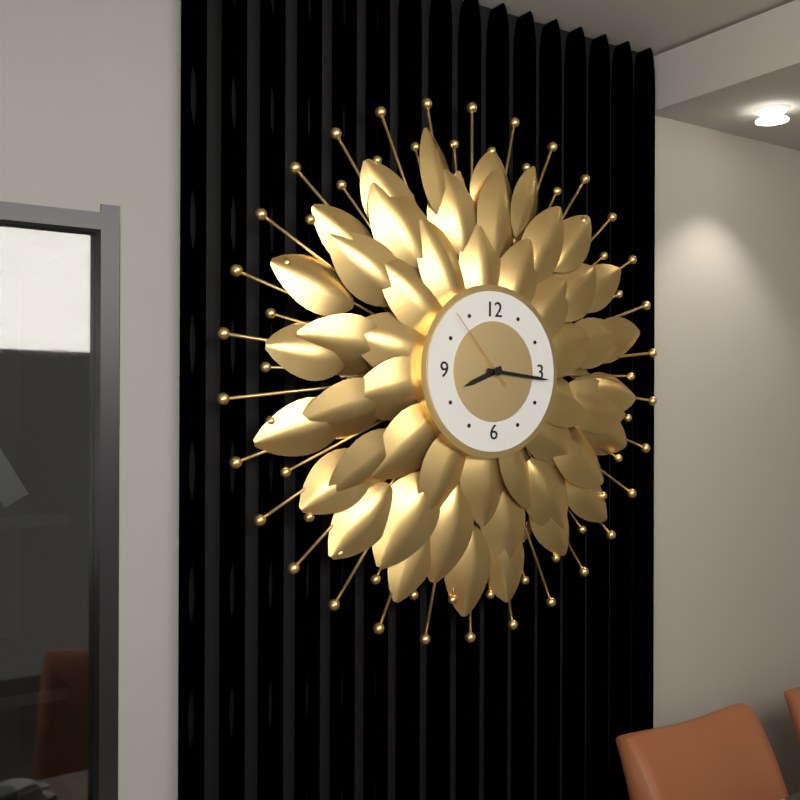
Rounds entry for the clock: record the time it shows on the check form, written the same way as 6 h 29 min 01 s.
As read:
8 h 16 min 53 s
